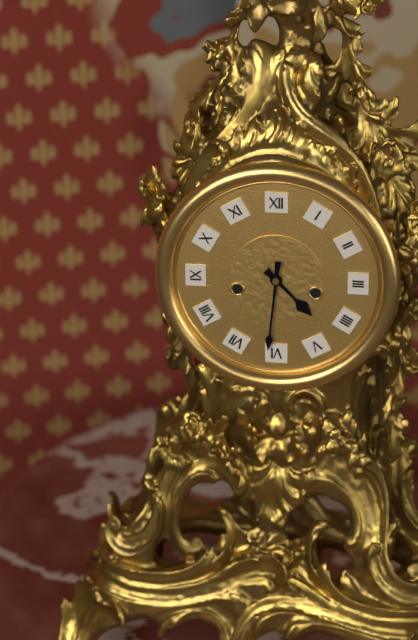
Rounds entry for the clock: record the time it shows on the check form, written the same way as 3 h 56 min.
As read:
4 h 31 min
